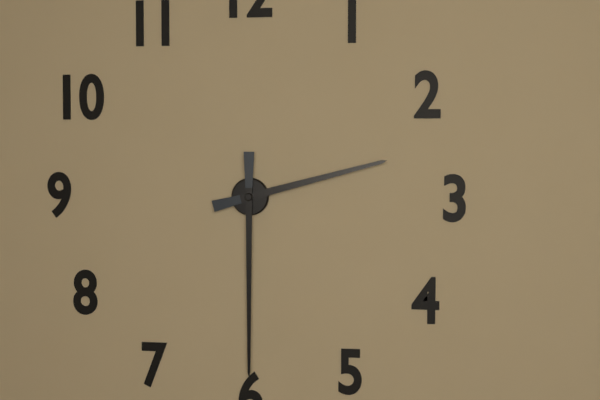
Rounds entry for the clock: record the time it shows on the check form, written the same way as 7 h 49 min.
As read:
2 h 30 min
